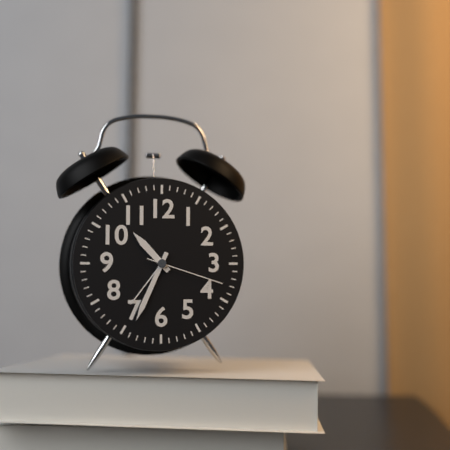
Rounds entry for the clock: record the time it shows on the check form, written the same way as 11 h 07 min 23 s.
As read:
10 h 34 min 18 s
